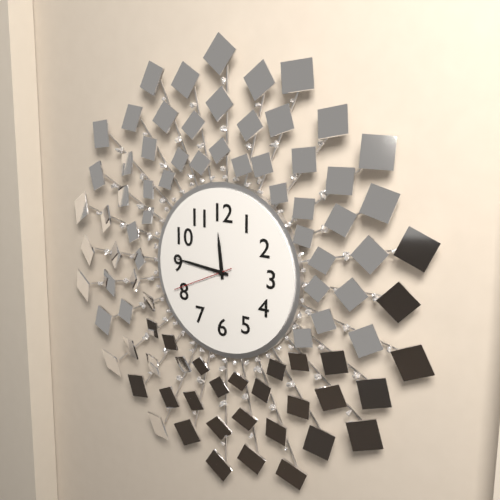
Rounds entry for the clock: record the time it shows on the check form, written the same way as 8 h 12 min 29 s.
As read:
11 h 46 min 41 s
